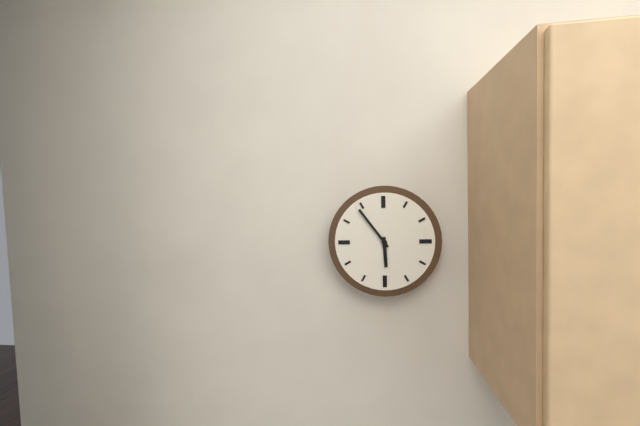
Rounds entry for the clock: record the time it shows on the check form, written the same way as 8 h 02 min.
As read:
5 h 54 min
